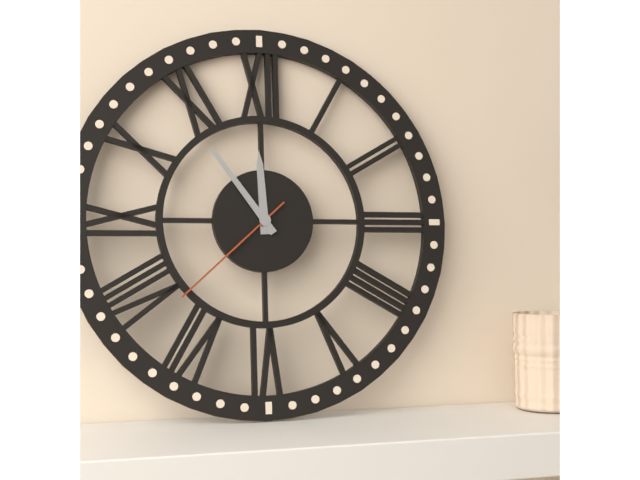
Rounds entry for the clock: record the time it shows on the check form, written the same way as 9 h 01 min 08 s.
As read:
11 h 54 min 38 s
